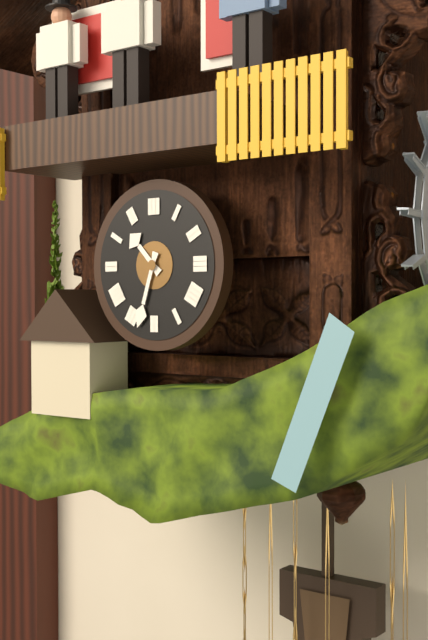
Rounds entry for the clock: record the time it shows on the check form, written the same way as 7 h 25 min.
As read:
10 h 33 min
